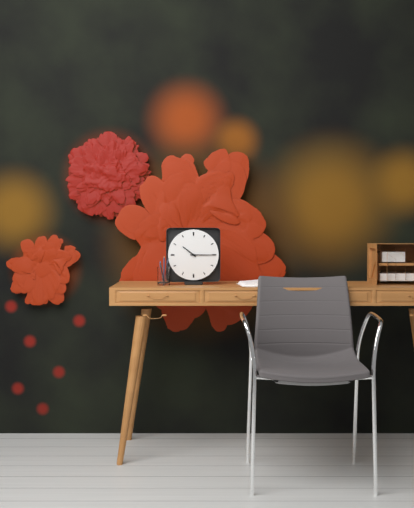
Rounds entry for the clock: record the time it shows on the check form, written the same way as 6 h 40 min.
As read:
10 h 15 min
